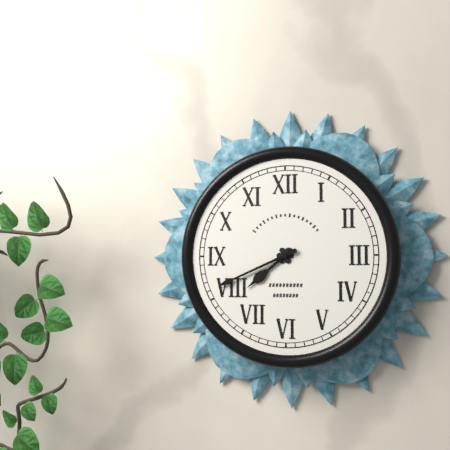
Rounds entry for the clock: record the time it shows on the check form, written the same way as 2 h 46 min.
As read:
7 h 41 min
